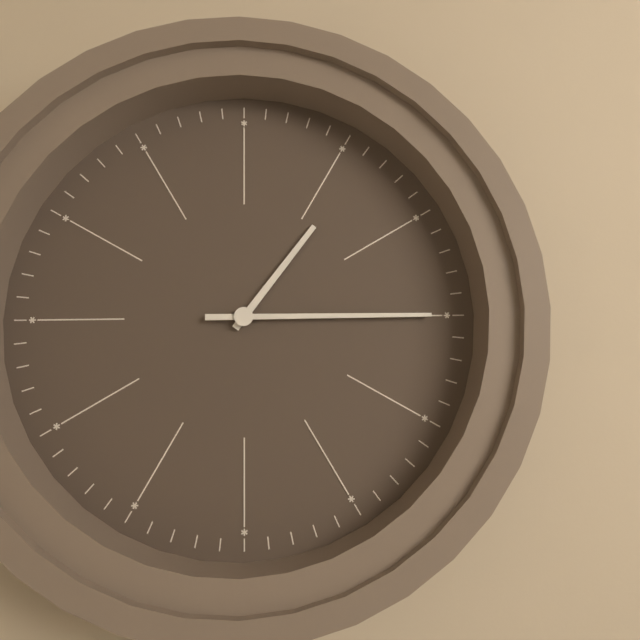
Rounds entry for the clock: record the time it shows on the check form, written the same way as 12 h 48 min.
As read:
1 h 15 min
